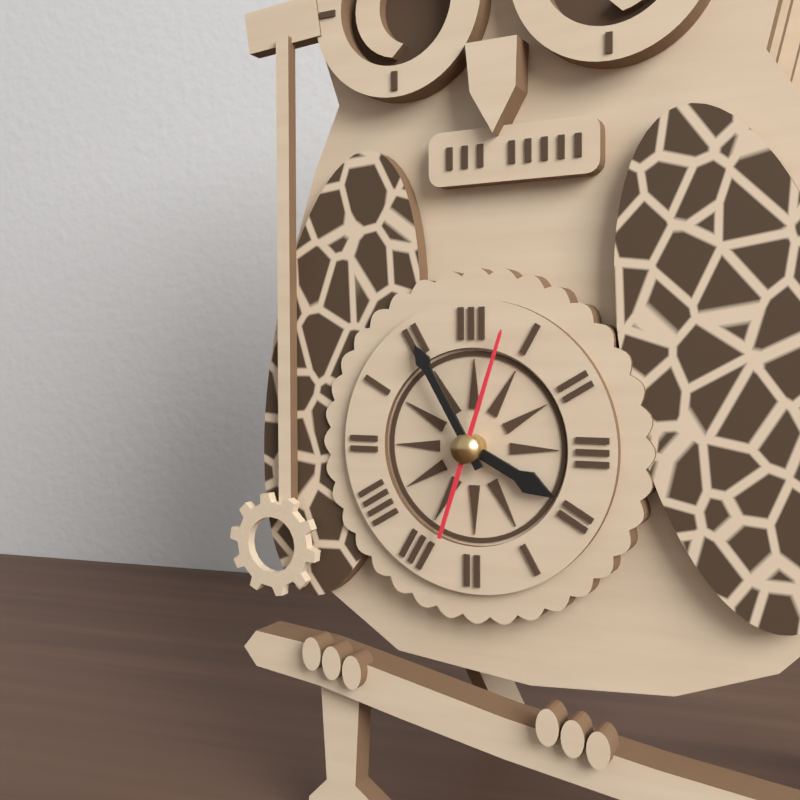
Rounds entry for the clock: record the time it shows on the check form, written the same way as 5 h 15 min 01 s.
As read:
3 h 55 min 03 s
